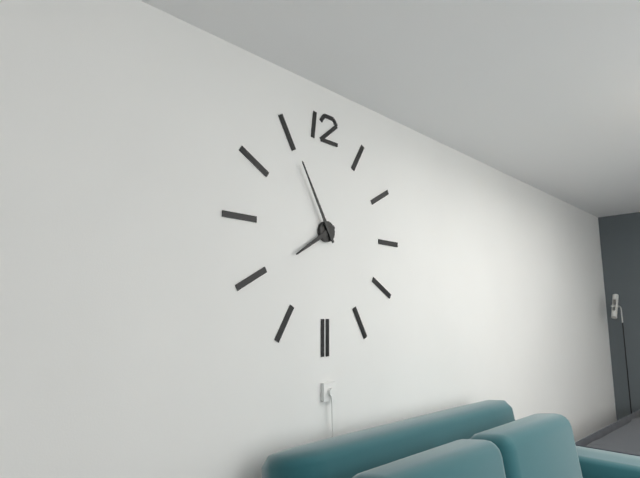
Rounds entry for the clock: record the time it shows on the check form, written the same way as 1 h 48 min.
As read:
7 h 55 min
